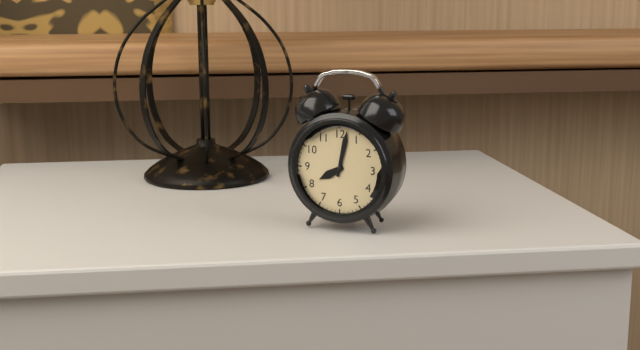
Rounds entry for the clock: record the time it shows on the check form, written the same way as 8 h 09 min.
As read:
8 h 02 min
